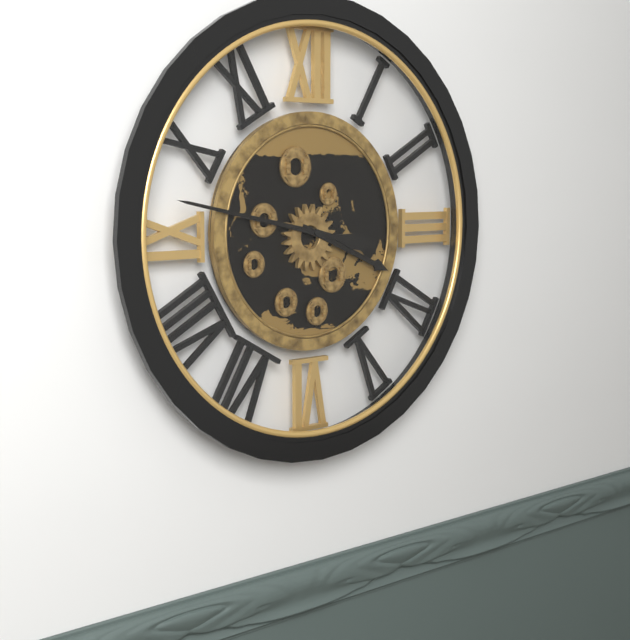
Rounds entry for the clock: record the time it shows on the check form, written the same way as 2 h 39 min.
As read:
3 h 47 min
